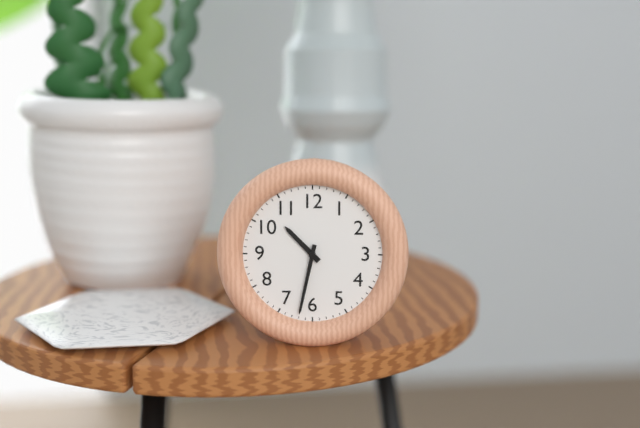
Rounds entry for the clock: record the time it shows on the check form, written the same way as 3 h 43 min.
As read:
10 h 32 min
